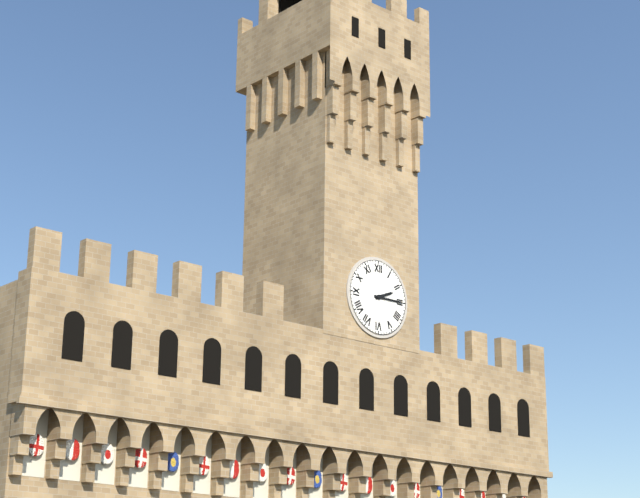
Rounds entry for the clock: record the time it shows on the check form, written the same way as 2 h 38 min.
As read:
2 h 15 min
